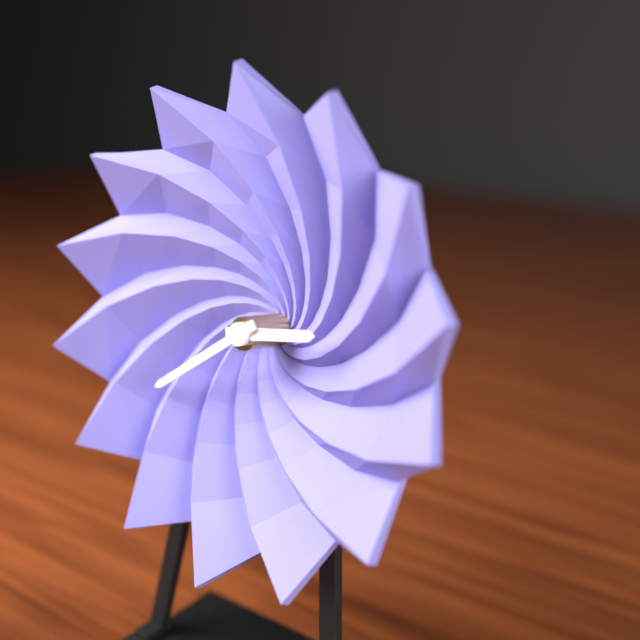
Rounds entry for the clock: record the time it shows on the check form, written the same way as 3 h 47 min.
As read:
2 h 39 min
